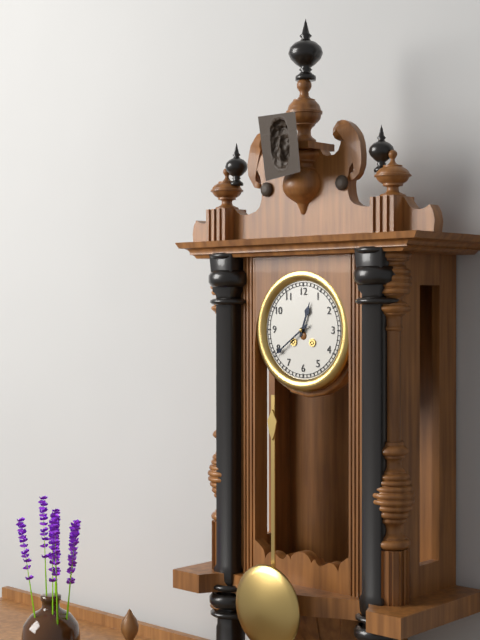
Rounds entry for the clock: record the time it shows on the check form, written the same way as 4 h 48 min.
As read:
12 h 39 min
